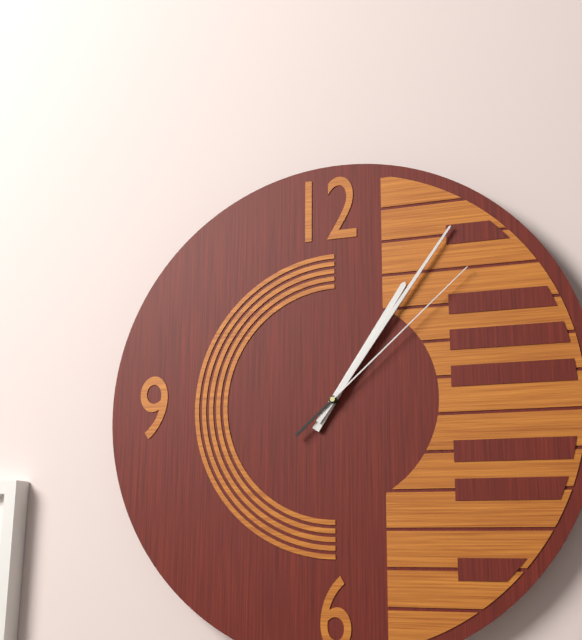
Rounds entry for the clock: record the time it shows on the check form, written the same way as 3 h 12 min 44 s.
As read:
1 h 06 min 08 s
